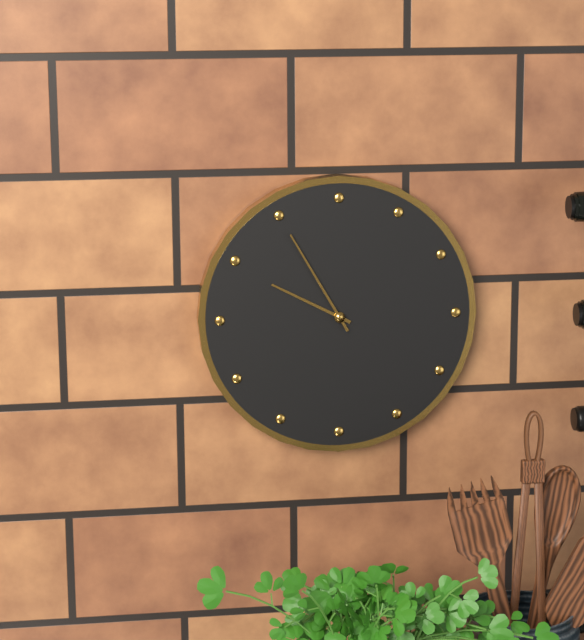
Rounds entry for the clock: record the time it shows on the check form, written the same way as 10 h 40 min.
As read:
9 h 55 min
